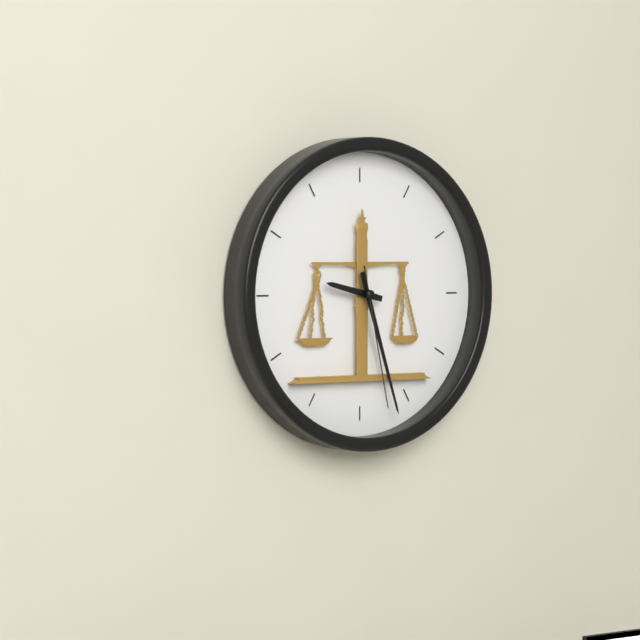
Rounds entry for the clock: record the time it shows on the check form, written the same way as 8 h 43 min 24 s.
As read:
9 h 27 min 28 s
